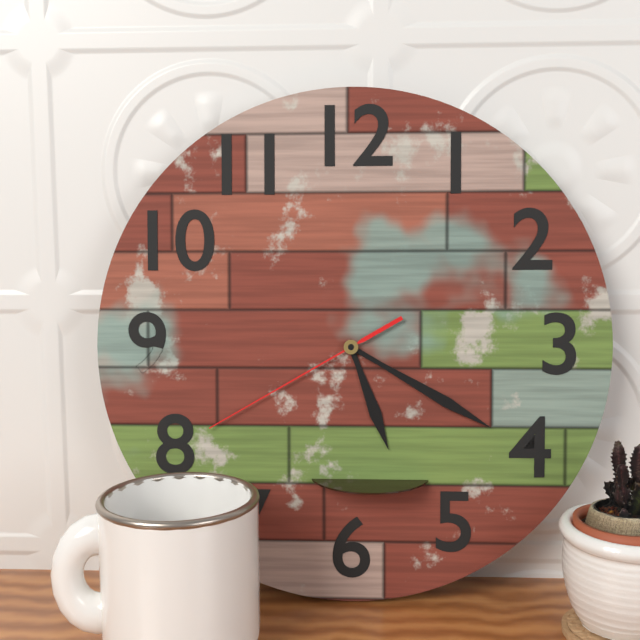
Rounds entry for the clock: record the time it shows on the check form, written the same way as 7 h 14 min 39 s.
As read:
5 h 20 min 40 s
